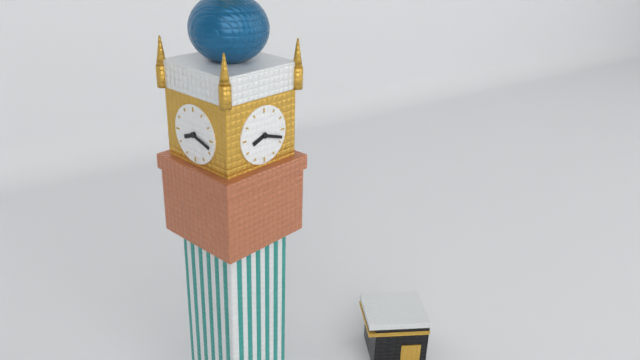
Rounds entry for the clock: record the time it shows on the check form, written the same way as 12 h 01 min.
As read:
8 h 18 min
